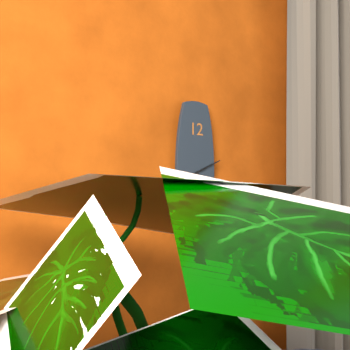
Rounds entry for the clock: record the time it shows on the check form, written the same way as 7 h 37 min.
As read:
2 h 11 min
